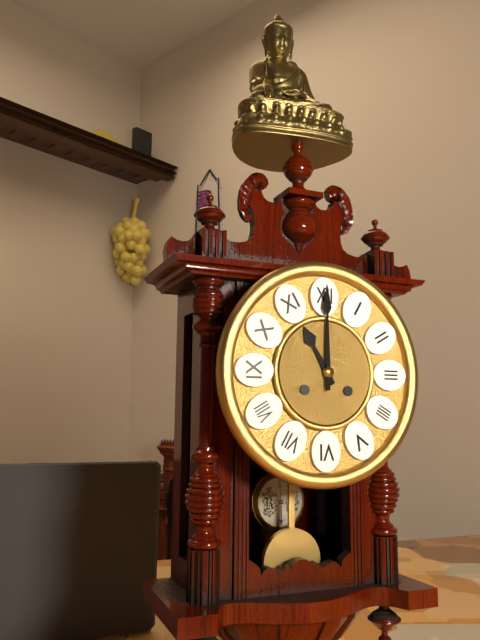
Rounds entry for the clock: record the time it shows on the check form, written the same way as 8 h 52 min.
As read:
11 h 00 min
